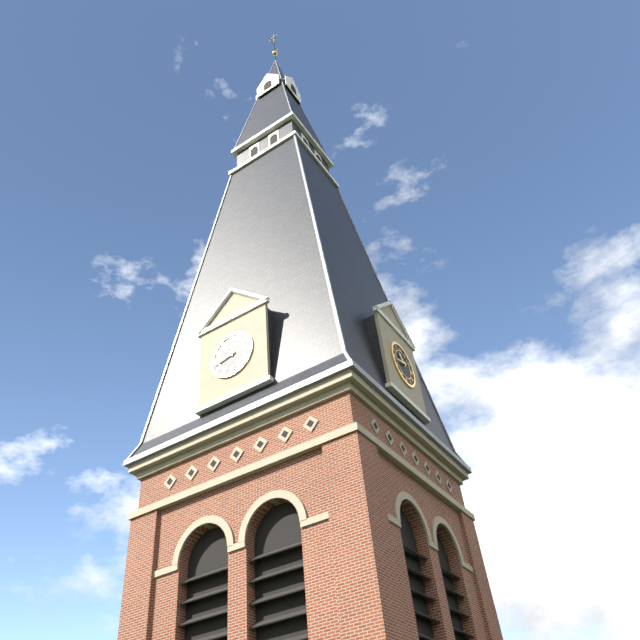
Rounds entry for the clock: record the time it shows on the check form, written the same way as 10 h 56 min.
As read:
10 h 43 min
